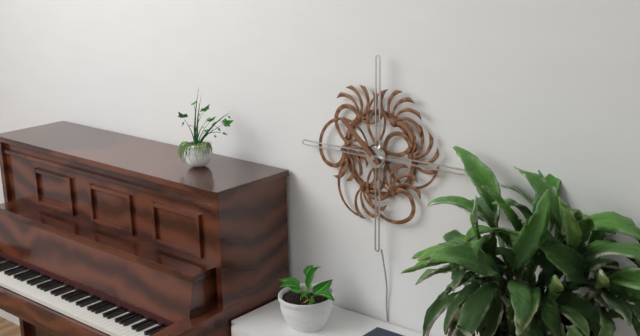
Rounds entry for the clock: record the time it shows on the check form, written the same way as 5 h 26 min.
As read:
2 h 52 min
